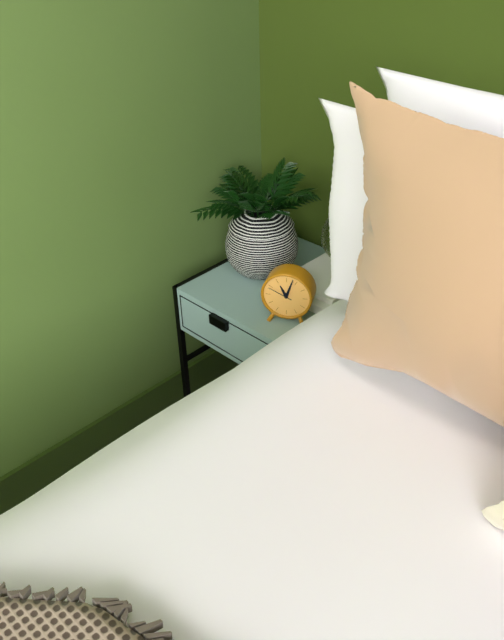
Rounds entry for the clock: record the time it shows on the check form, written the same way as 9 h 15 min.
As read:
11 h 03 min
